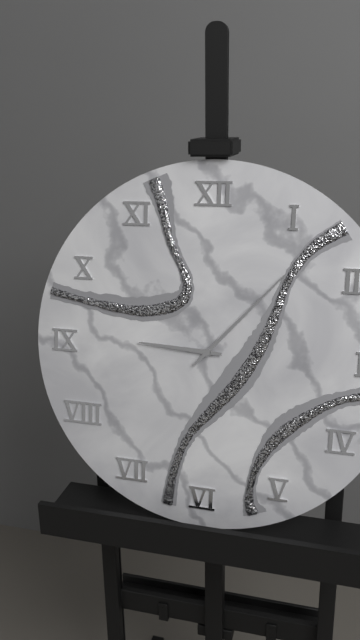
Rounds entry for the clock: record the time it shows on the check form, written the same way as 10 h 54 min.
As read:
9 h 07 min
